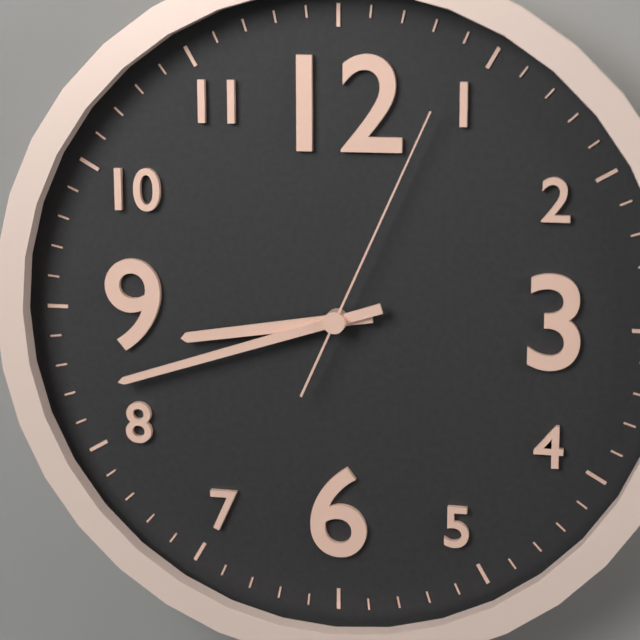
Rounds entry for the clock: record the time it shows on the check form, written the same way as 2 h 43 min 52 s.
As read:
8 h 42 min 04 s
